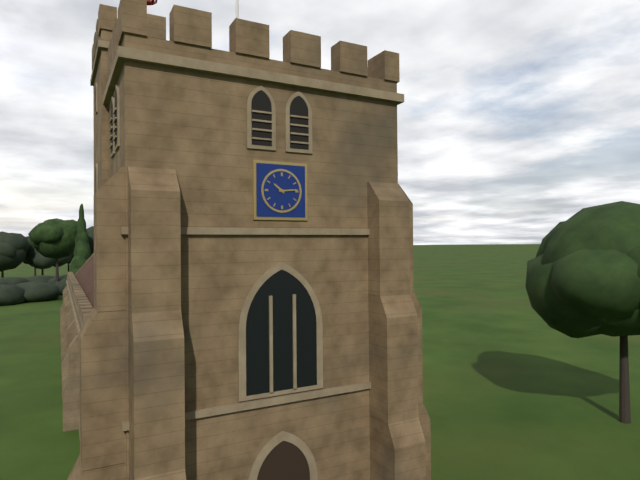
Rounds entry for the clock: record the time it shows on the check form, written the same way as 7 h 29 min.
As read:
10 h 14 min
